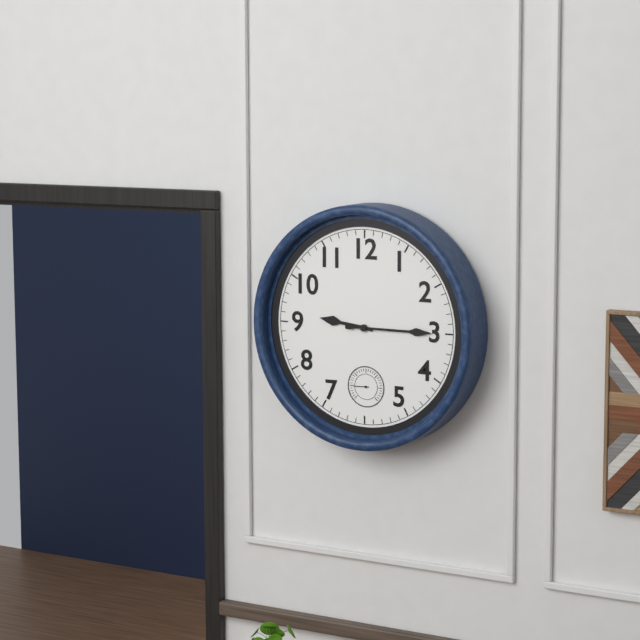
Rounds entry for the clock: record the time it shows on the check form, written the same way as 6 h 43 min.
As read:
9 h 15 min
